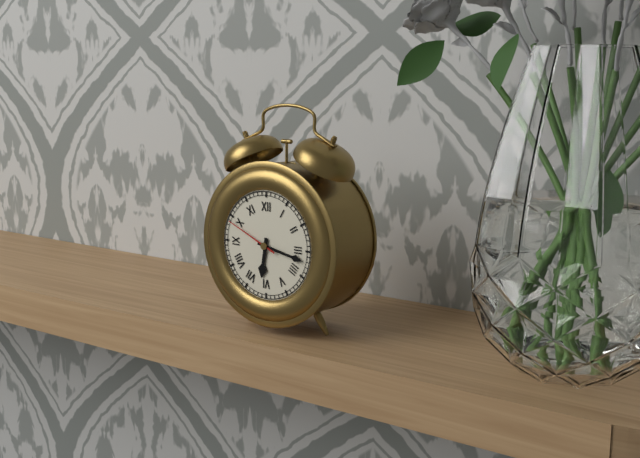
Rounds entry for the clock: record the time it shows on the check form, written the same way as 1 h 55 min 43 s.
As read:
6 h 17 min 49 s
